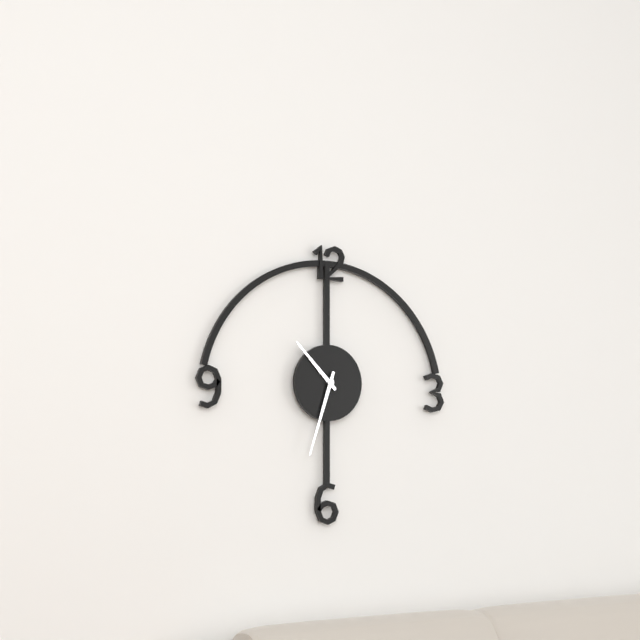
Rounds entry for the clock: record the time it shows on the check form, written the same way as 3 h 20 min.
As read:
10 h 33 min
